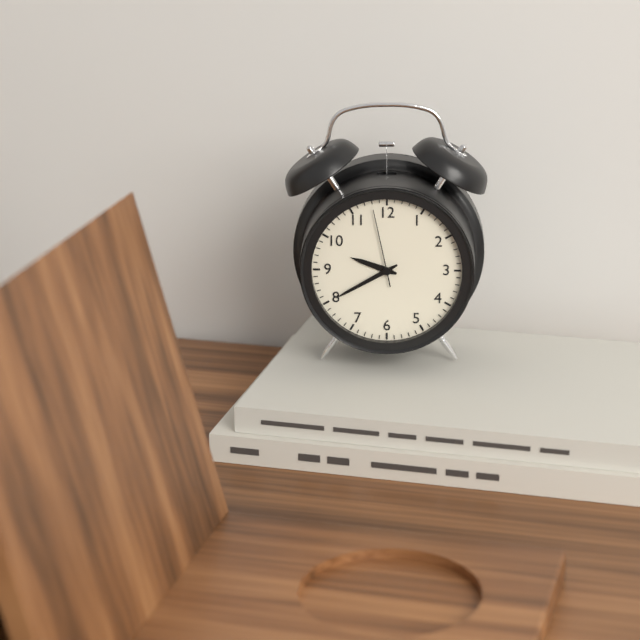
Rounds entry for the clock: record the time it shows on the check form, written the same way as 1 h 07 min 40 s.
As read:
9 h 40 min 58 s
